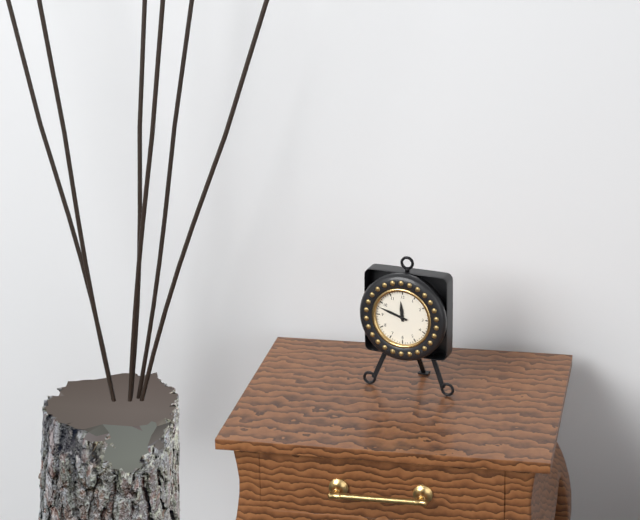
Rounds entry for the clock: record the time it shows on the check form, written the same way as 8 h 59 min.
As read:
11 h 48 min
